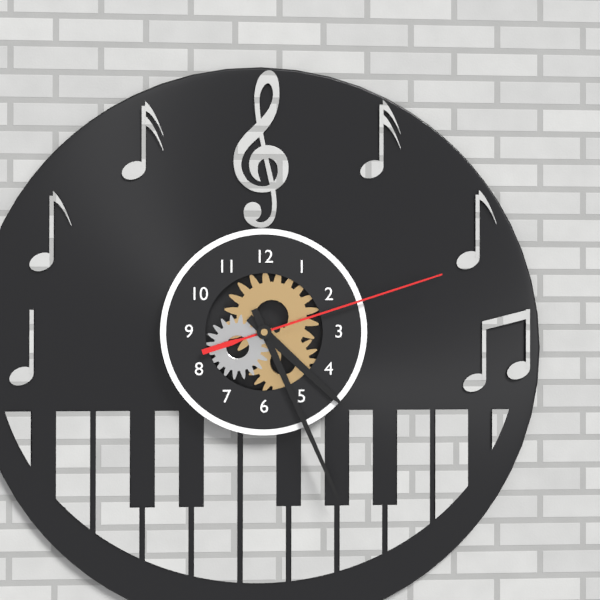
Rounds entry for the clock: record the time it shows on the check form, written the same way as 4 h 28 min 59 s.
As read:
4 h 26 min 12 s
